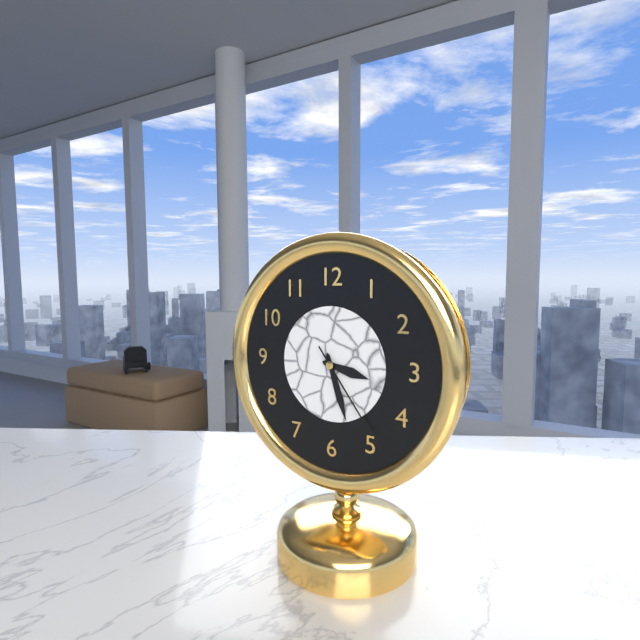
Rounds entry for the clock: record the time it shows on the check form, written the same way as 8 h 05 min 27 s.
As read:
3 h 27 min 24 s
